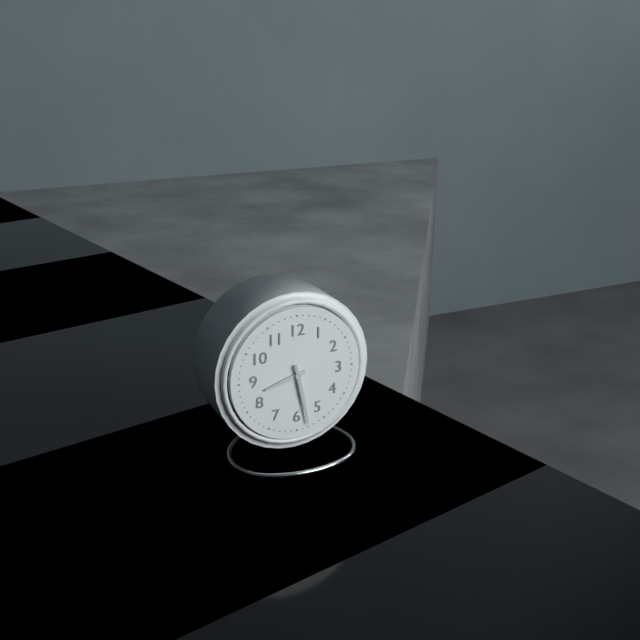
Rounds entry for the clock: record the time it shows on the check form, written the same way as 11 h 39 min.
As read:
8 h 28 min
